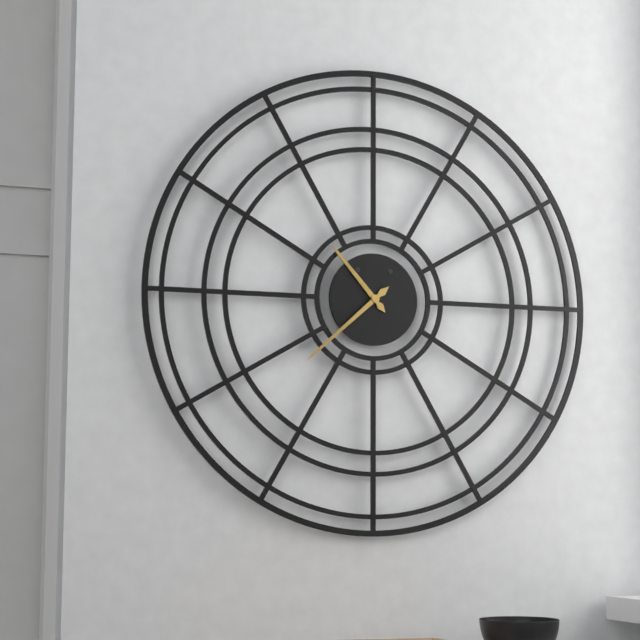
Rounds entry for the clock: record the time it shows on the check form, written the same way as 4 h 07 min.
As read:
10 h 38 min
